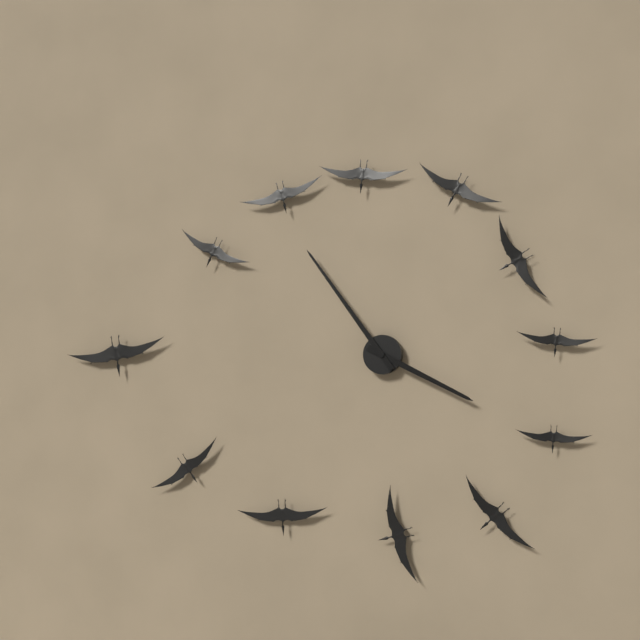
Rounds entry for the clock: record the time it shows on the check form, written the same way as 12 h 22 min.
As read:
3 h 54 min
